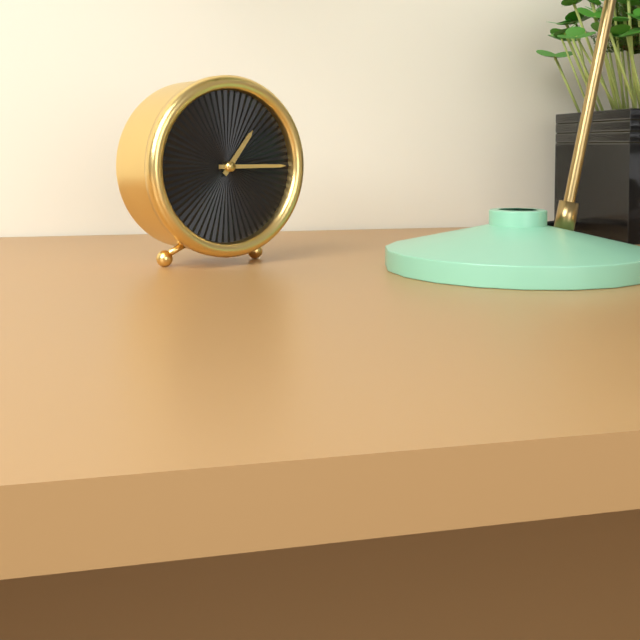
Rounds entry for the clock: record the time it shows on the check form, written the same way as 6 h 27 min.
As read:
1 h 15 min
